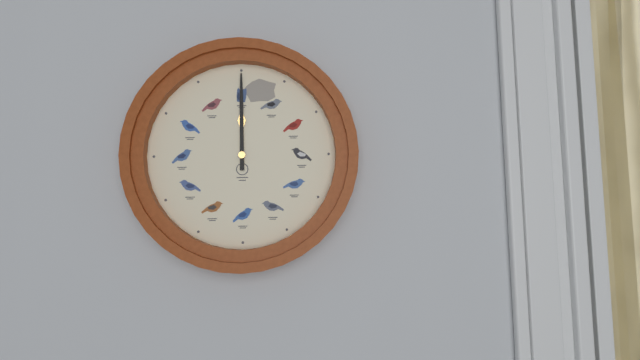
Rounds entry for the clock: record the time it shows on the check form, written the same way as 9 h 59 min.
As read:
12 h 00 min
